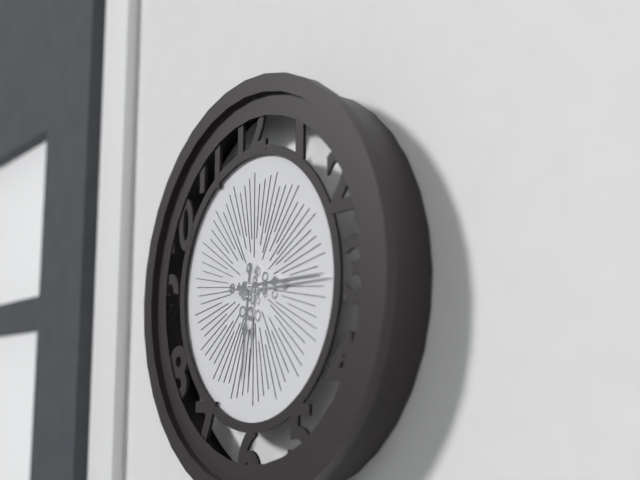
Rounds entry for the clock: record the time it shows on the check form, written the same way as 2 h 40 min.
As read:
6 h 15 min
